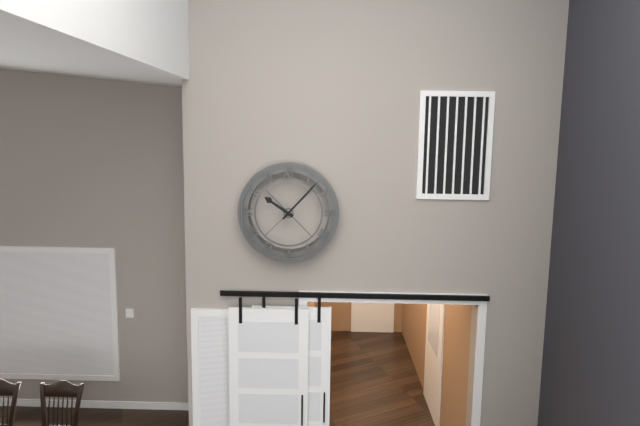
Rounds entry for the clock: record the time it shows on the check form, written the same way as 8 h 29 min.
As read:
10 h 07 min
